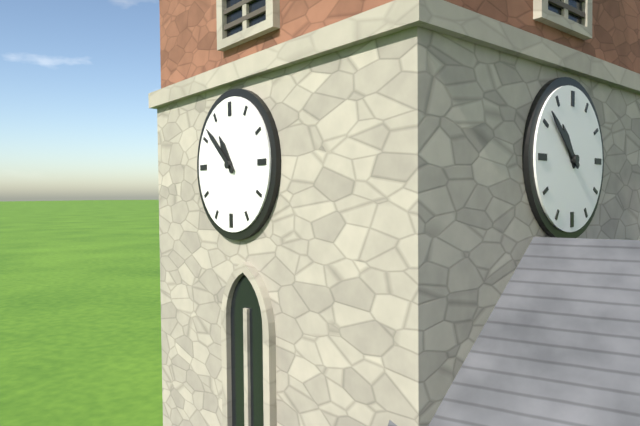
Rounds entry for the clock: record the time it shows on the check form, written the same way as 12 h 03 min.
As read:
10 h 52 min
